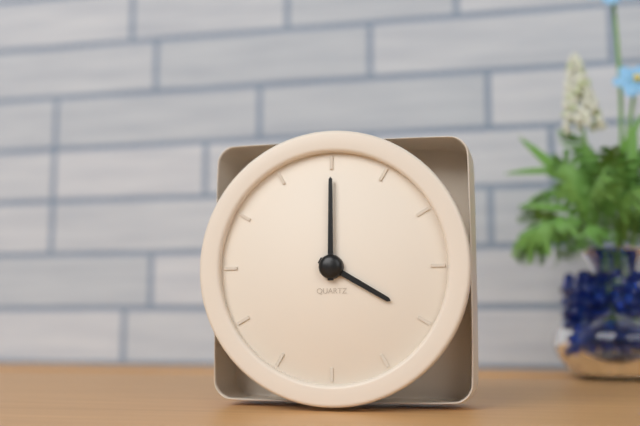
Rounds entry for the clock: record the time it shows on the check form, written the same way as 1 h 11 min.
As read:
4 h 00 min
